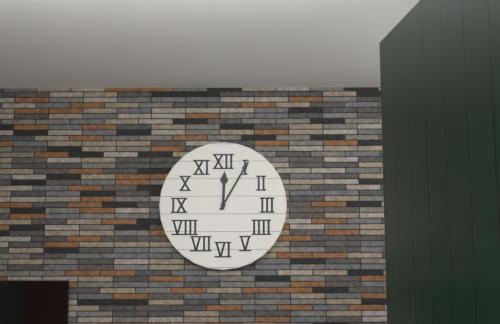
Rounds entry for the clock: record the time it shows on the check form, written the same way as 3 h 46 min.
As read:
12 h 05 min
